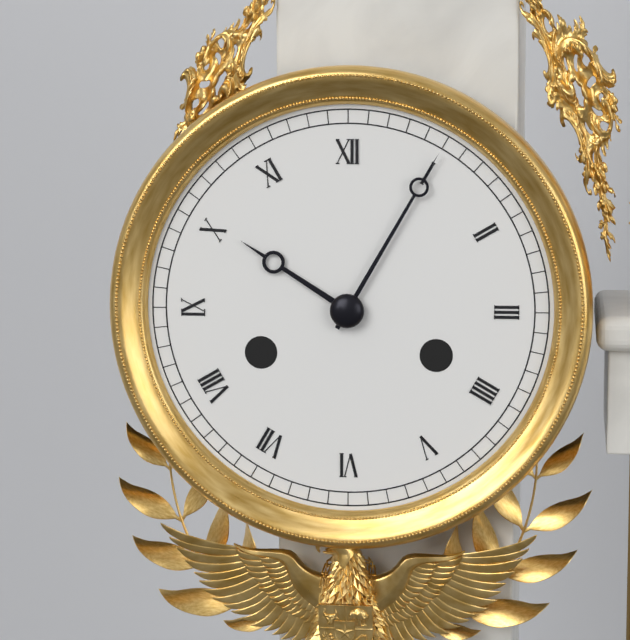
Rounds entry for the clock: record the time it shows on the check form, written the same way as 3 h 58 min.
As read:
10 h 05 min
